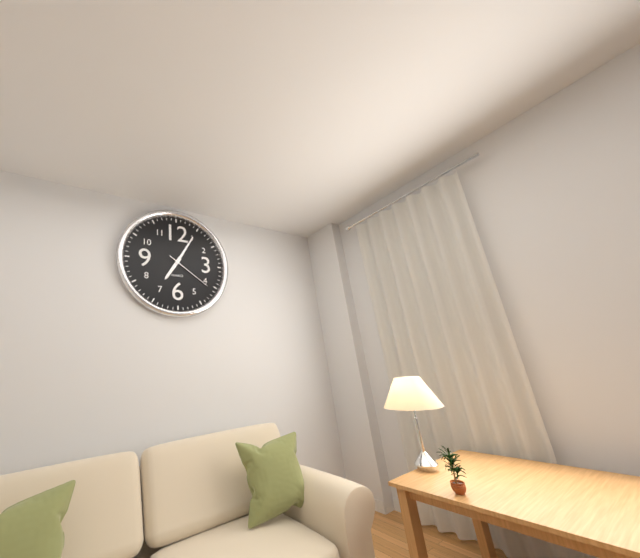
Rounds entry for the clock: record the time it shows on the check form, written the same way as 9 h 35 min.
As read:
7 h 05 min
